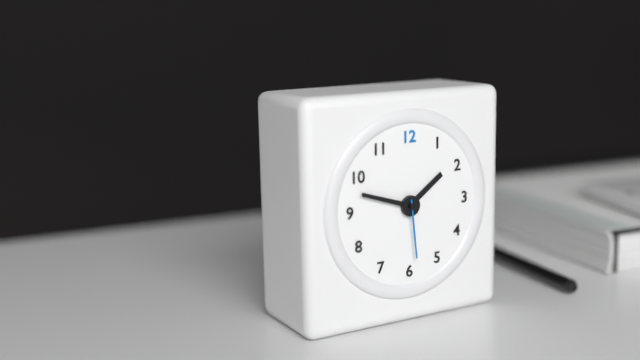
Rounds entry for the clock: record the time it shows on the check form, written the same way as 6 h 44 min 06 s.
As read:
1 h 48 min 29 s
